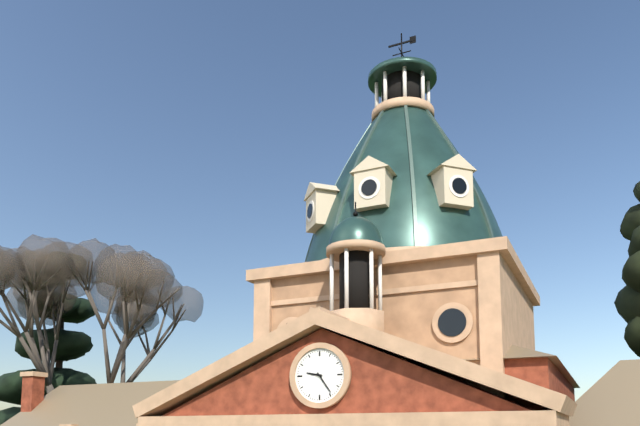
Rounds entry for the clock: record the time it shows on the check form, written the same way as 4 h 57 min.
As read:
9 h 24 min
